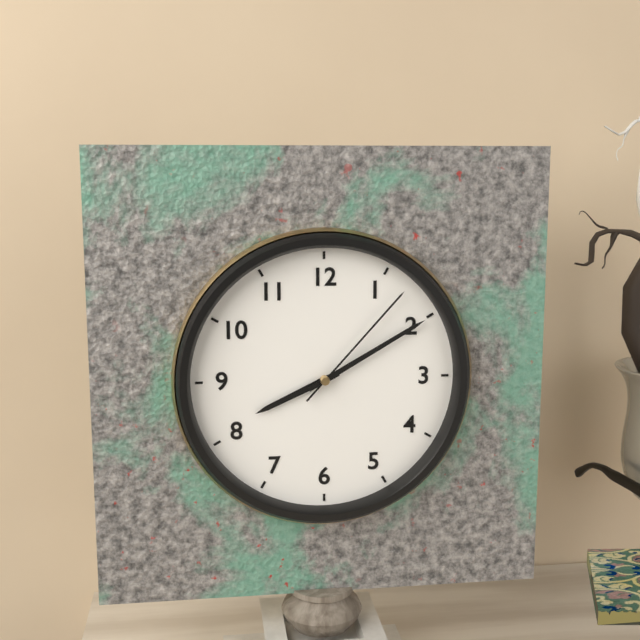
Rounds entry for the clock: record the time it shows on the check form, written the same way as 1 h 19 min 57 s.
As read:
8 h 10 min 07 s
